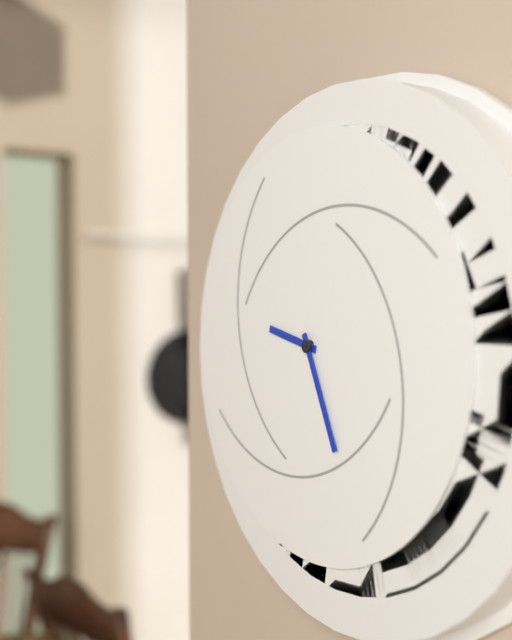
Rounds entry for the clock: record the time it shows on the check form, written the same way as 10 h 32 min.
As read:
9 h 26 min
